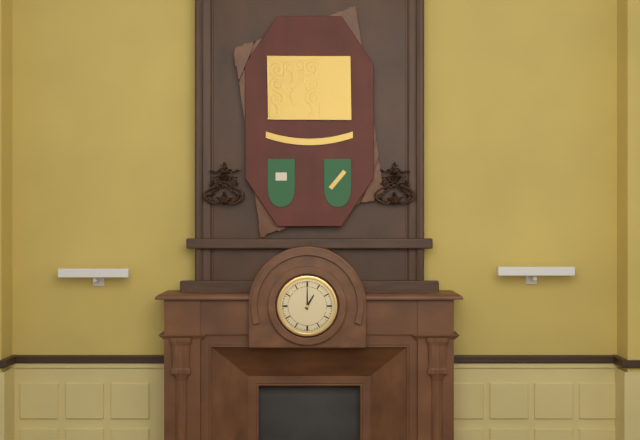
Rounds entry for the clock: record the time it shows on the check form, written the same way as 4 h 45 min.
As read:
1 h 00 min
